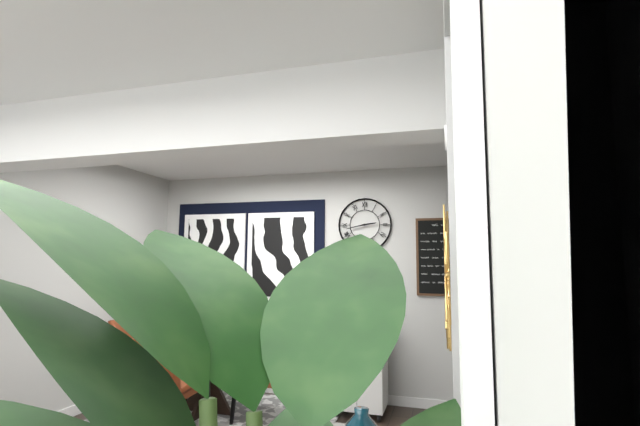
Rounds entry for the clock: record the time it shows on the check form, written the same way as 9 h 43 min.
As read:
2 h 43 min
